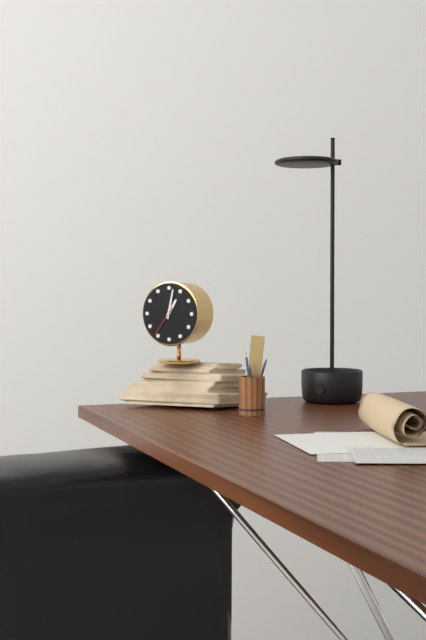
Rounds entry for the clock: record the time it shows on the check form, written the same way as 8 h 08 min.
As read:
1 h 02 min
